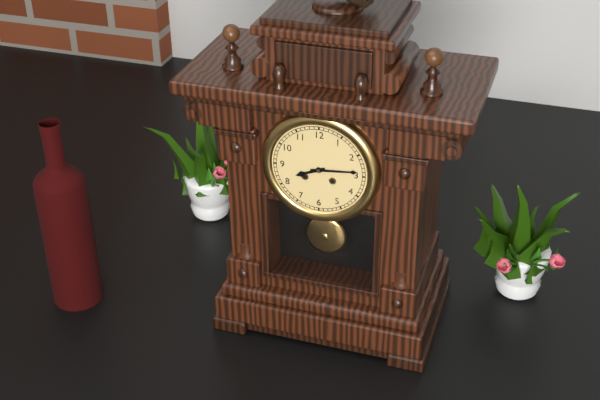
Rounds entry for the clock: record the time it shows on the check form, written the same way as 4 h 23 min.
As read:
8 h 14 min
